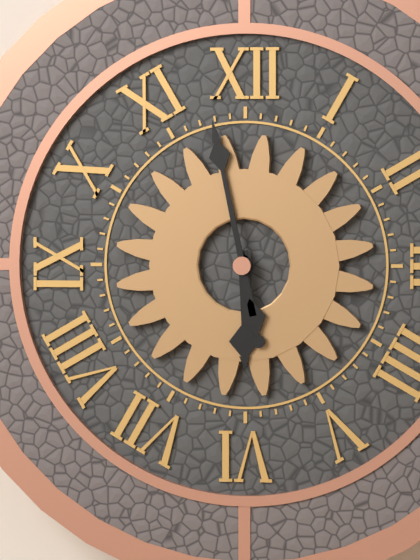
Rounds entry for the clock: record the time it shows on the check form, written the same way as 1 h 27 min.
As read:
5 h 58 min
